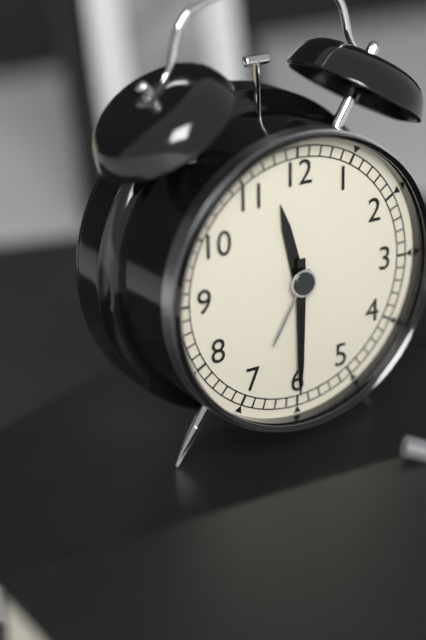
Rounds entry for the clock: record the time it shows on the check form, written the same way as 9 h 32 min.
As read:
11 h 30 min
